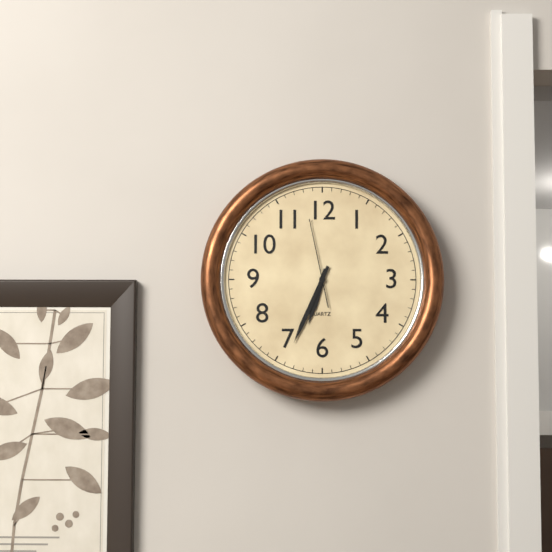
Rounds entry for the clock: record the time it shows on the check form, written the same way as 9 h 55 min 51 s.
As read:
6 h 34 min 58 s
